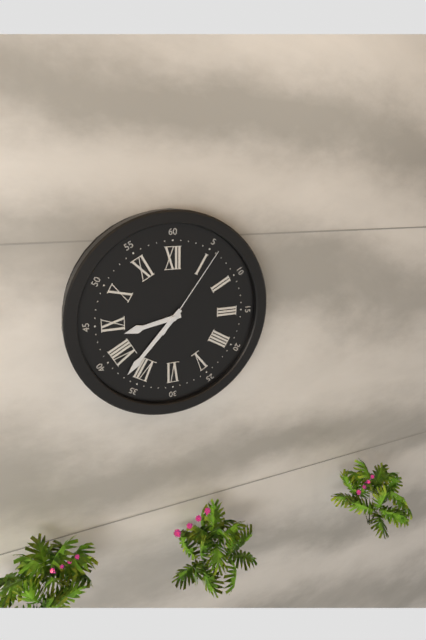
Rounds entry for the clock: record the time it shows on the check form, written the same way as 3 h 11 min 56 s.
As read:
8 h 37 min 06 s
